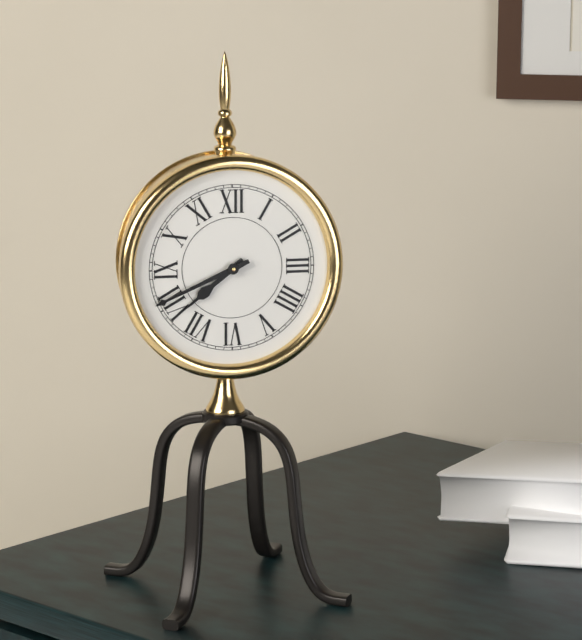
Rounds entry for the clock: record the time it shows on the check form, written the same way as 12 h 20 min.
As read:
7 h 41 min
